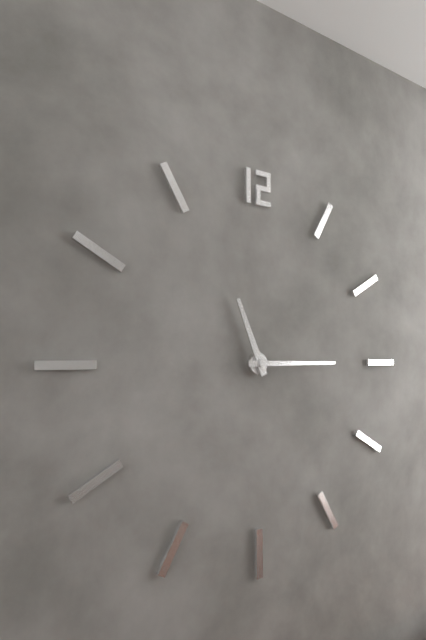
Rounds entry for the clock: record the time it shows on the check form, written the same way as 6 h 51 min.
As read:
11 h 15 min
